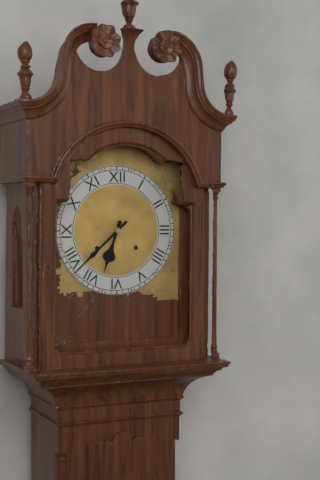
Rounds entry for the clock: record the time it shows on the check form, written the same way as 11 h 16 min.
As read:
6 h 38 min
